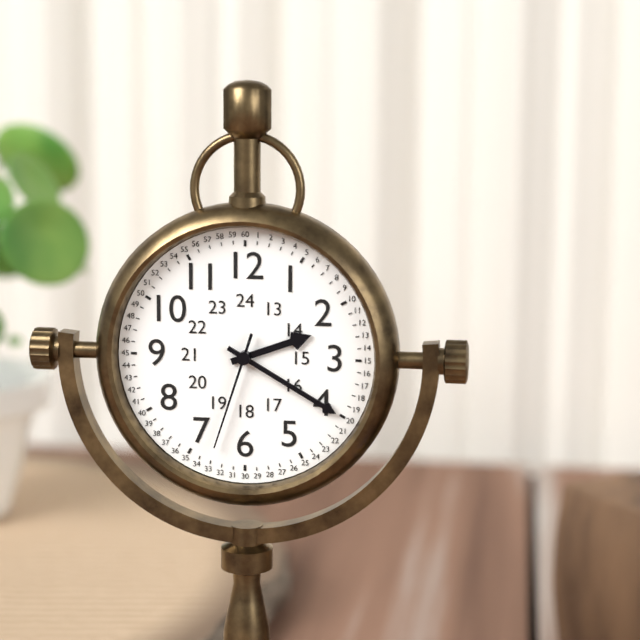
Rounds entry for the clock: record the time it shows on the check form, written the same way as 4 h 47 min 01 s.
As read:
2 h 20 min 33 s
